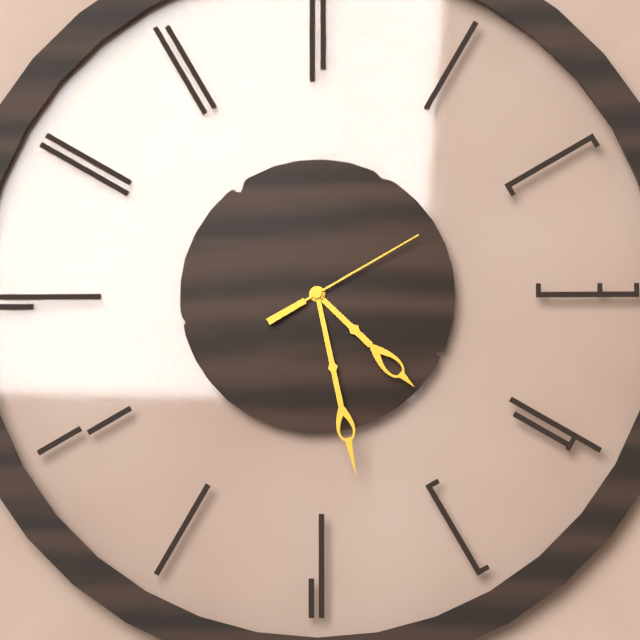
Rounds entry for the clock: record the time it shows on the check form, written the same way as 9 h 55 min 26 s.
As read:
4 h 28 min 10 s
